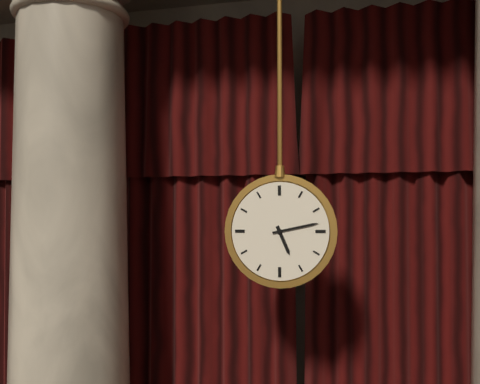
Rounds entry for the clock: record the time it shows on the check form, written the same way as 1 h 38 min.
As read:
5 h 13 min
